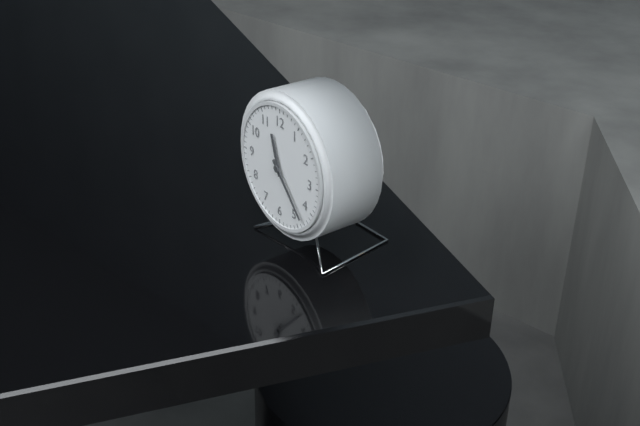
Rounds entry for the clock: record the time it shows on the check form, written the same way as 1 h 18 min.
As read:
11 h 23 min
